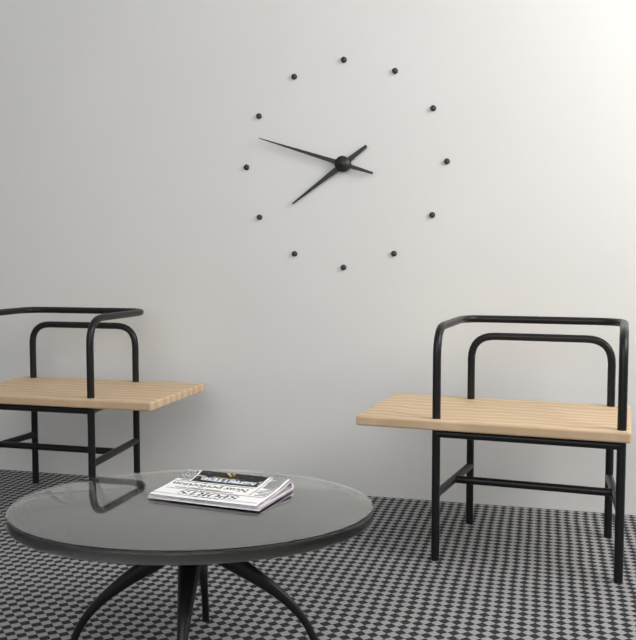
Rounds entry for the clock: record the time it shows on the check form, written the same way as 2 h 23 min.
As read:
7 h 48 min
